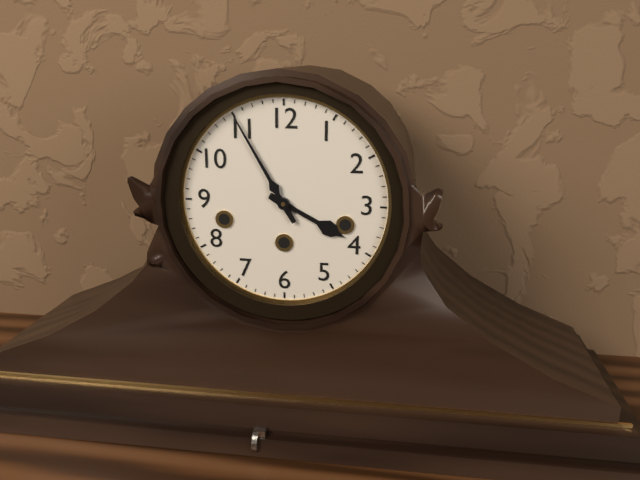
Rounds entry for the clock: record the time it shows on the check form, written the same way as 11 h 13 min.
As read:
3 h 55 min
